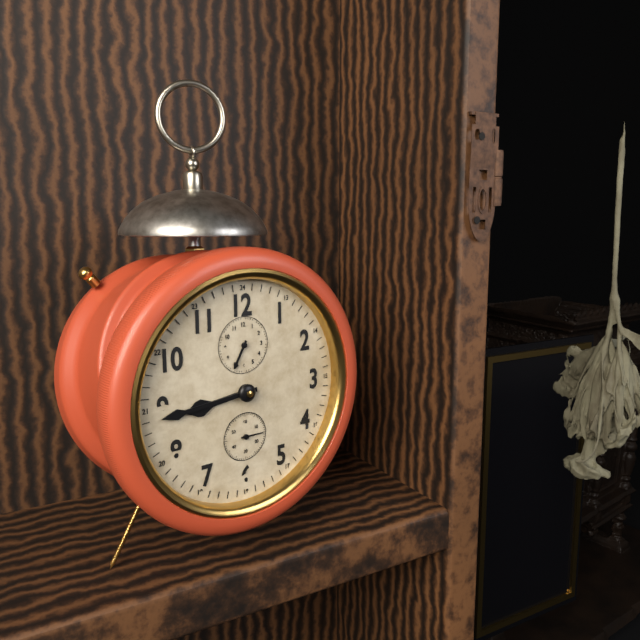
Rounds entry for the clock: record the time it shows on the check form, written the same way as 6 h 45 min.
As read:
8 h 44 min
